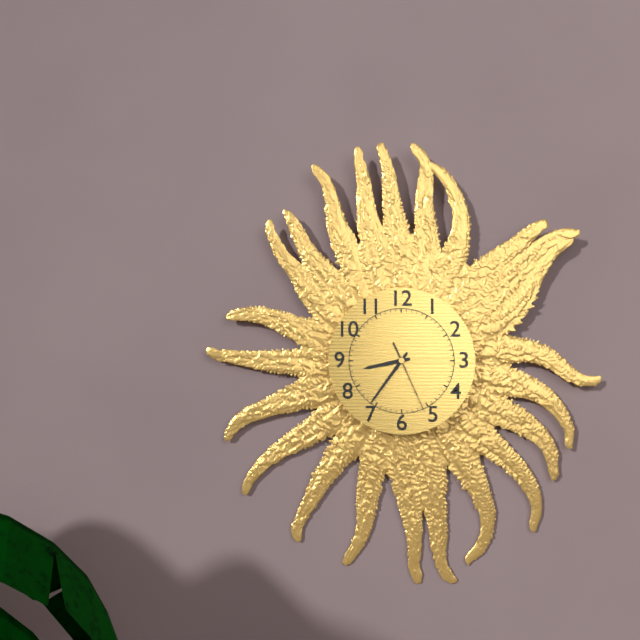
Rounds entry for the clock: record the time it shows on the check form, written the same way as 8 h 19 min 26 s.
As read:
8 h 36 min 26 s
